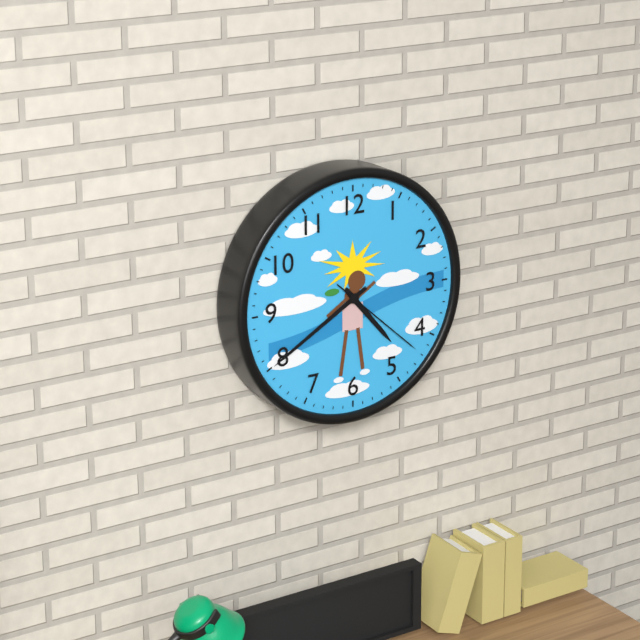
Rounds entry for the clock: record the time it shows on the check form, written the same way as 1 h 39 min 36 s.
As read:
4 h 40 min 22 s
